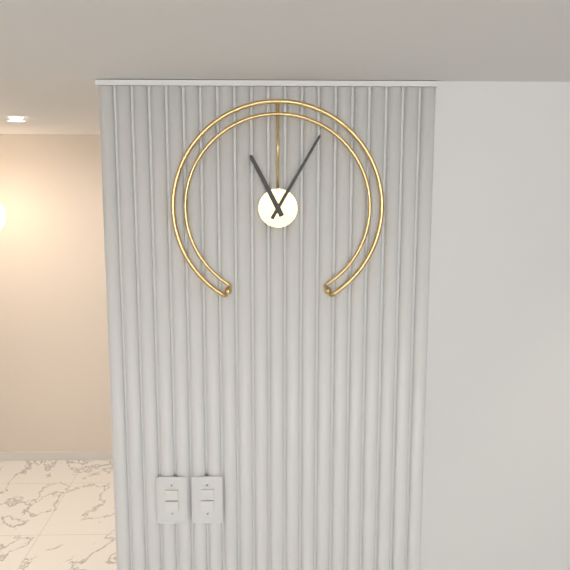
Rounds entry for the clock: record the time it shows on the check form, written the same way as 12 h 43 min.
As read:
11 h 05 min
